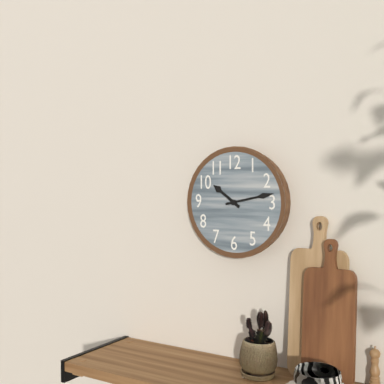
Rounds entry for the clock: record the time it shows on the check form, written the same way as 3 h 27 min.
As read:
10 h 13 min
